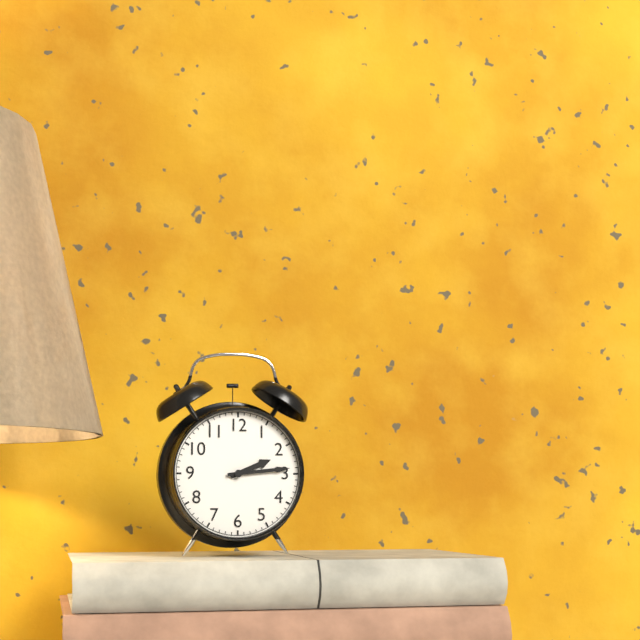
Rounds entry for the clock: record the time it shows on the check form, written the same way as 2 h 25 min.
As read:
2 h 14 min
